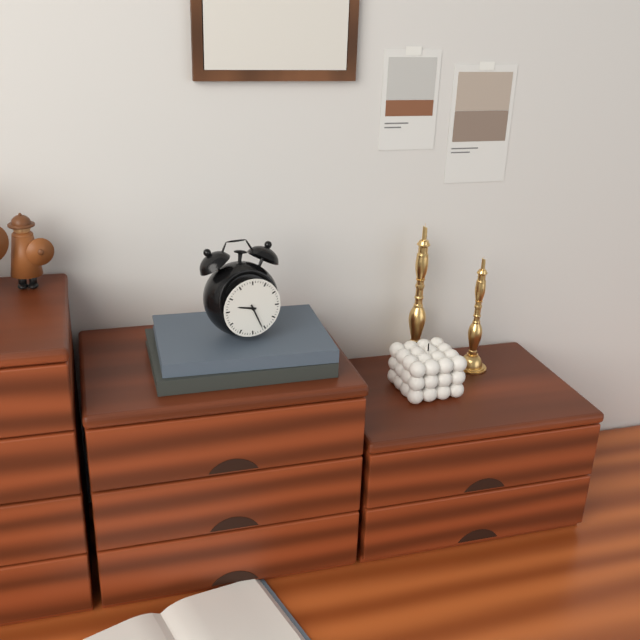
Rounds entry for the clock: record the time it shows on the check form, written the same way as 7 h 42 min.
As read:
9 h 26 min
